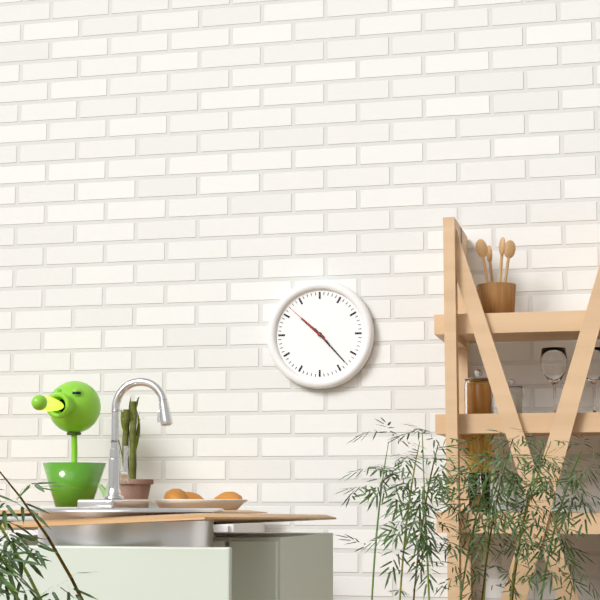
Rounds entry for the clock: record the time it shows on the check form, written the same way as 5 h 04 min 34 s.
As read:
10 h 23 min 52 s
